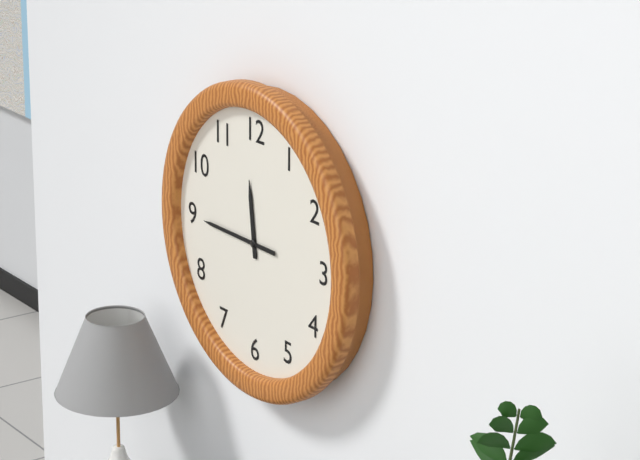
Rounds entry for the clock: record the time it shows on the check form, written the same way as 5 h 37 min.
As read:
11 h 45 min
